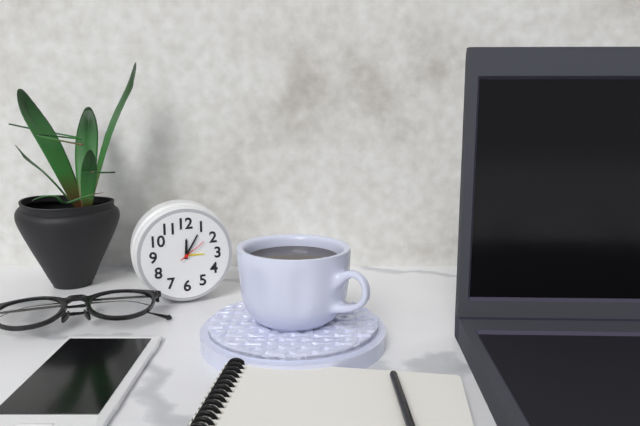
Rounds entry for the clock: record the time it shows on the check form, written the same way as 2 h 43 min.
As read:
12 h 05 min
